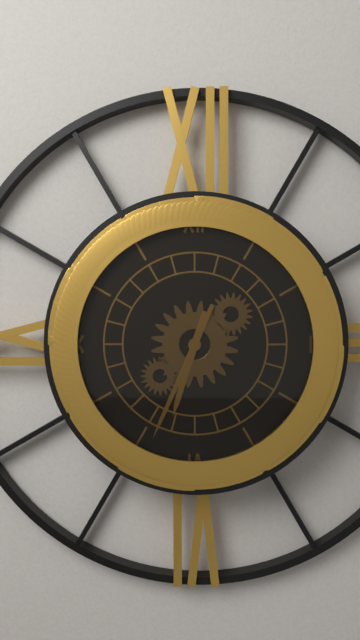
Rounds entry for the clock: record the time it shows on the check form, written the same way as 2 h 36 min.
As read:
6 h 34 min
